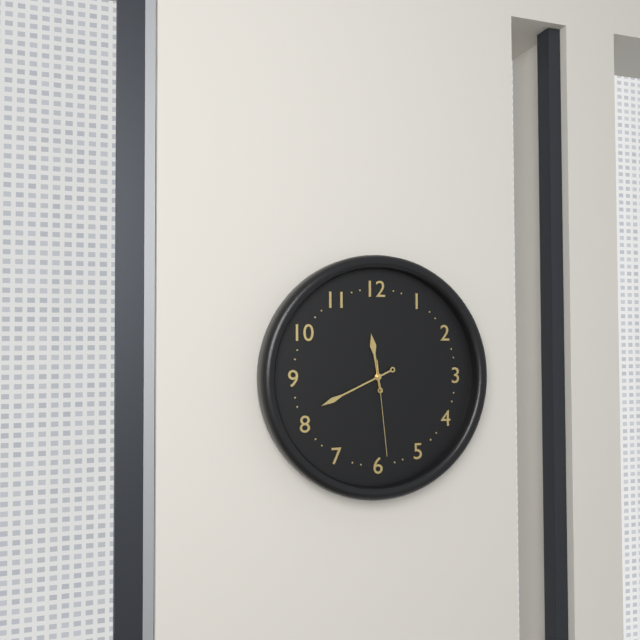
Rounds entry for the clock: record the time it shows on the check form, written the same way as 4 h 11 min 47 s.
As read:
11 h 41 min 29 s
